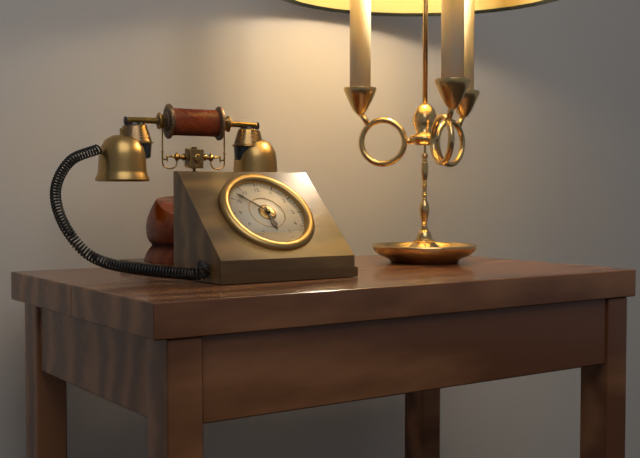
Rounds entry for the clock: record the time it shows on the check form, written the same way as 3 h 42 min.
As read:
5 h 52 min
